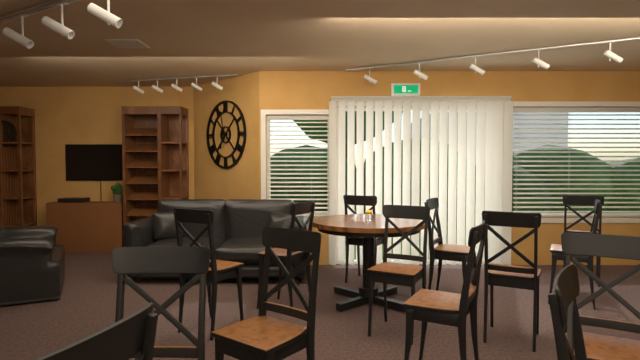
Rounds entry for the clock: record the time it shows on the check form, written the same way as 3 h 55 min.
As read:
6 h 58 min
